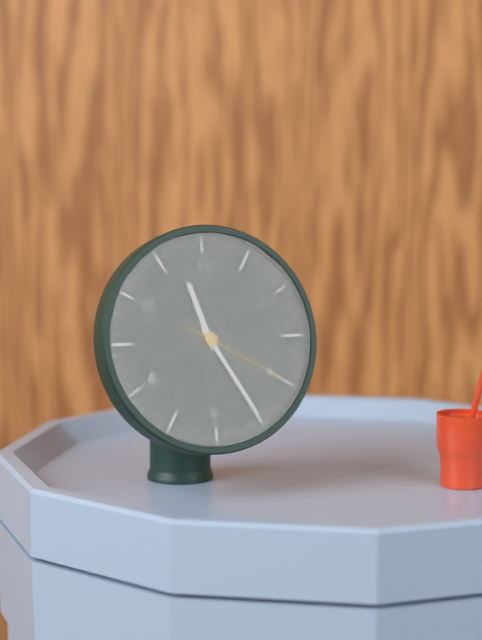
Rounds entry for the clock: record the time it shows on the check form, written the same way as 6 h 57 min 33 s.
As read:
11 h 25 min 20 s
